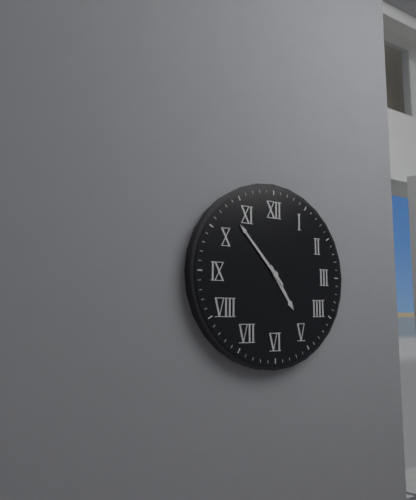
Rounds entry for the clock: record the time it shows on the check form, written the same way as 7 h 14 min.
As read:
4 h 53 min
